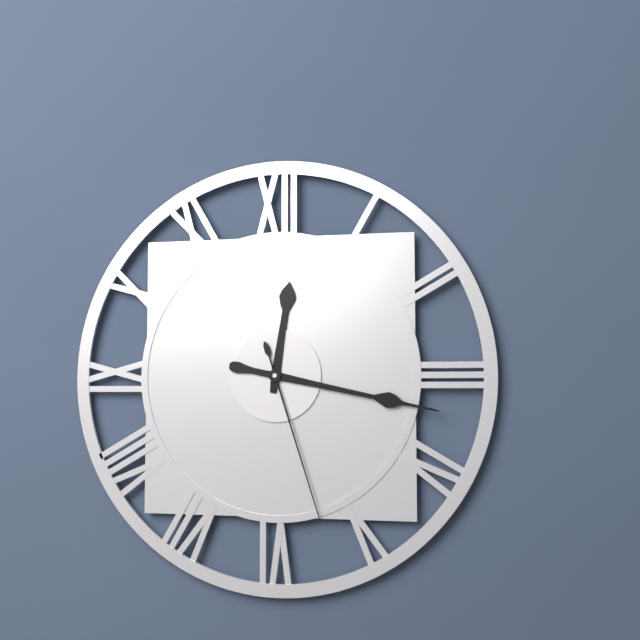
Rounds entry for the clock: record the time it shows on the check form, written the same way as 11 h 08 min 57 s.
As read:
12 h 17 min 27 s
